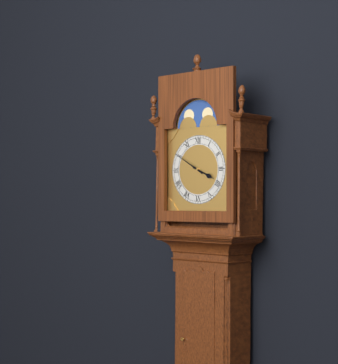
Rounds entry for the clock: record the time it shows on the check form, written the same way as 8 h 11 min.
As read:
3 h 50 min
